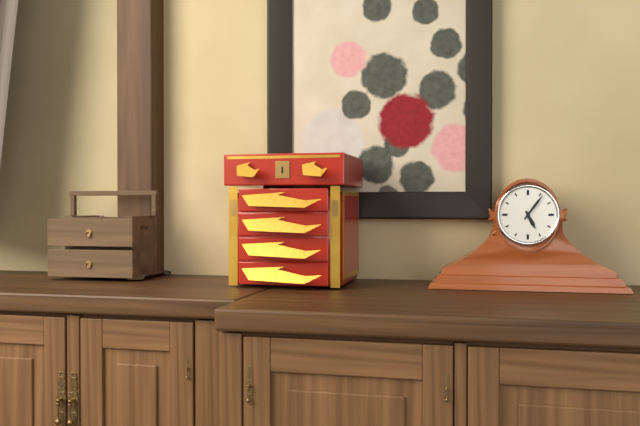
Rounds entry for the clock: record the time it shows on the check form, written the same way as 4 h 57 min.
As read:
5 h 06 min
